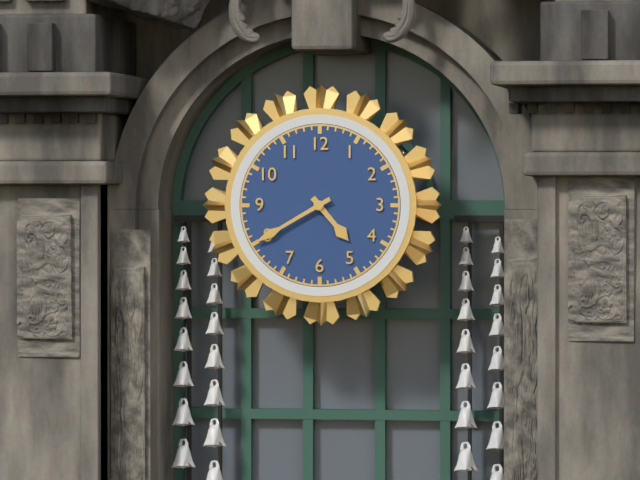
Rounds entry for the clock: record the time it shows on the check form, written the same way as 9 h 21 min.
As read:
4 h 40 min
